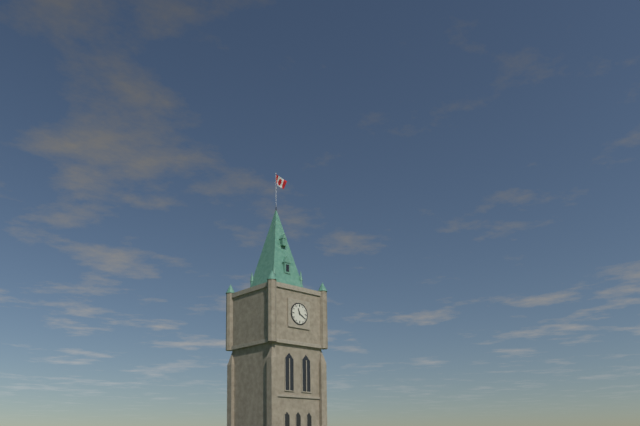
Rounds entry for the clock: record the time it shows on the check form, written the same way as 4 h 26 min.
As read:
11 h 20 min
